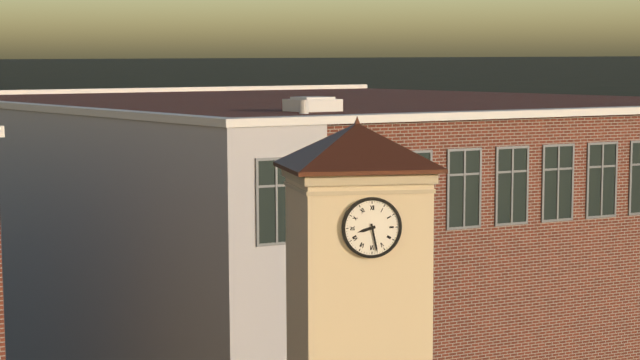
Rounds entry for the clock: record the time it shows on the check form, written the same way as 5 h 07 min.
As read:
8 h 28 min
